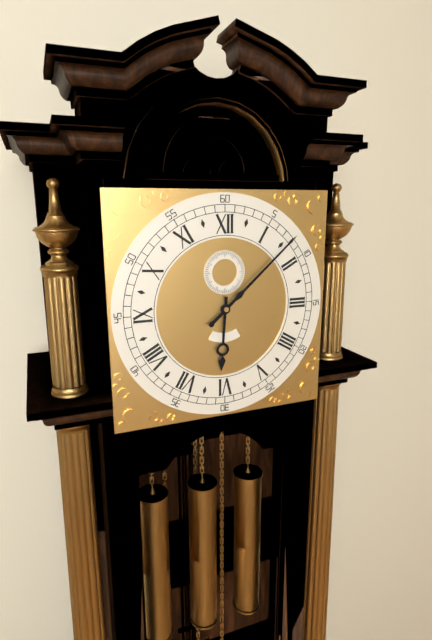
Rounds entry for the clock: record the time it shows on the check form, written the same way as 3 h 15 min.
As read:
6 h 08 min
